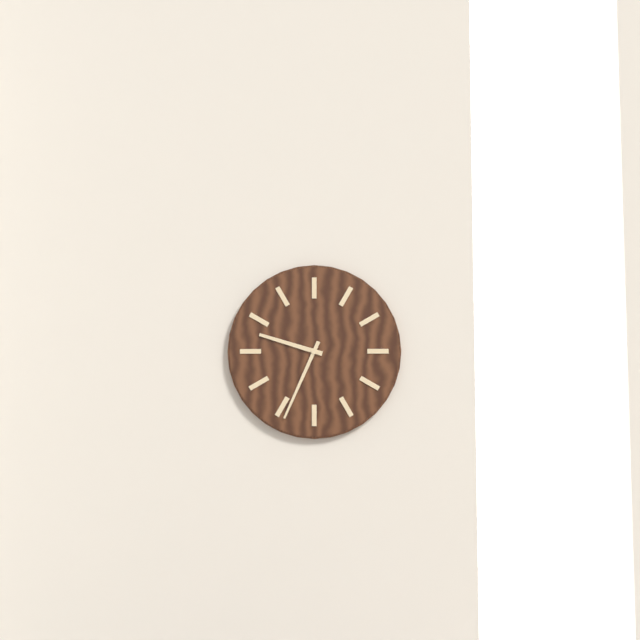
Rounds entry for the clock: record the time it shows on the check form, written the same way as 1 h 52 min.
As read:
9 h 34 min
